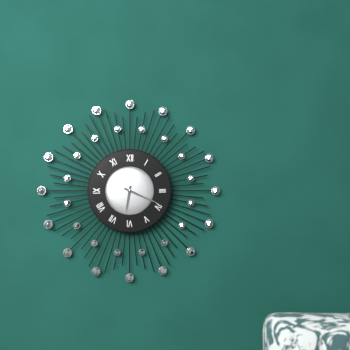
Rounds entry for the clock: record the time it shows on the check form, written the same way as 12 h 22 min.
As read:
6 h 19 min
